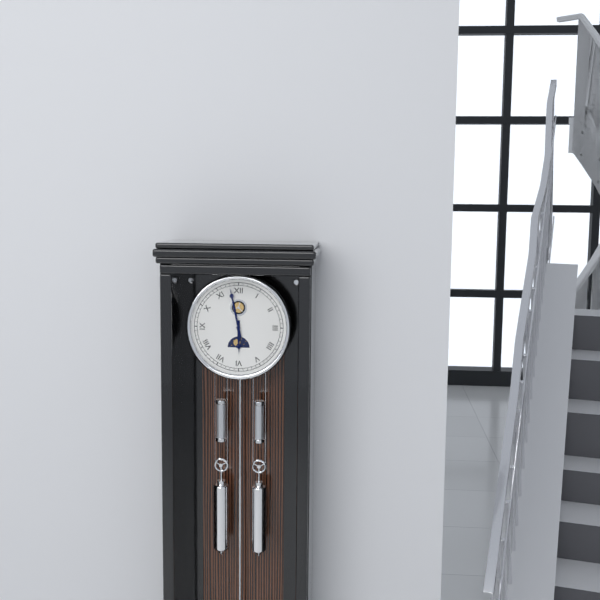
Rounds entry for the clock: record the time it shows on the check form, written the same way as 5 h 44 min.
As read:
5 h 58 min
